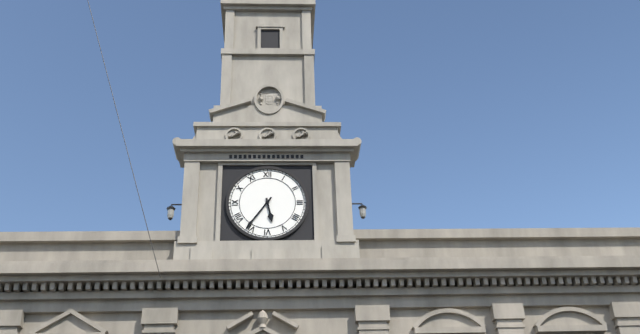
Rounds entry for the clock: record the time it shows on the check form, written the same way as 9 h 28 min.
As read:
5 h 36 min
